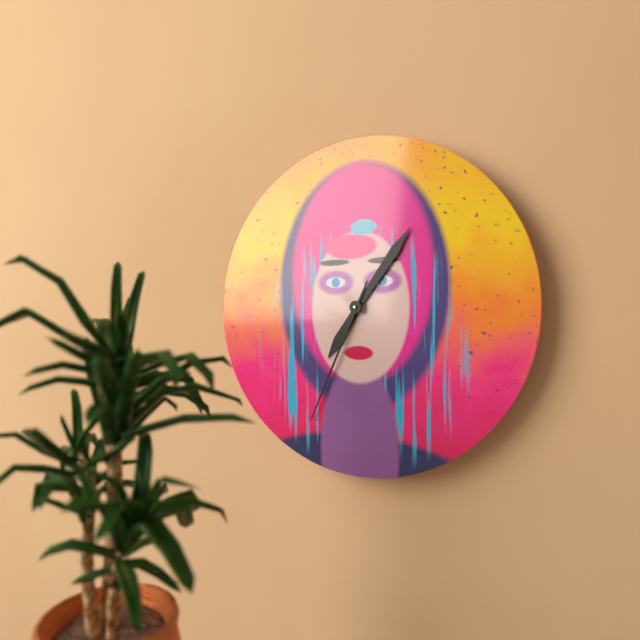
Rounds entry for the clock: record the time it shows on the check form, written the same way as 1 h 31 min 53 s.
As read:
7 h 06 min 34 s
